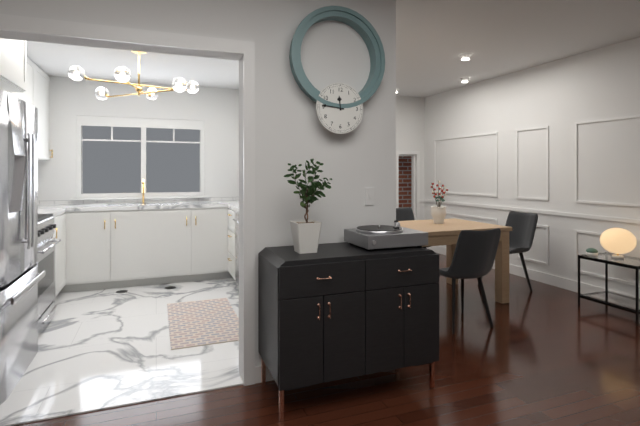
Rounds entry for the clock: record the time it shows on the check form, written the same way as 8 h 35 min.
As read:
11 h 46 min
